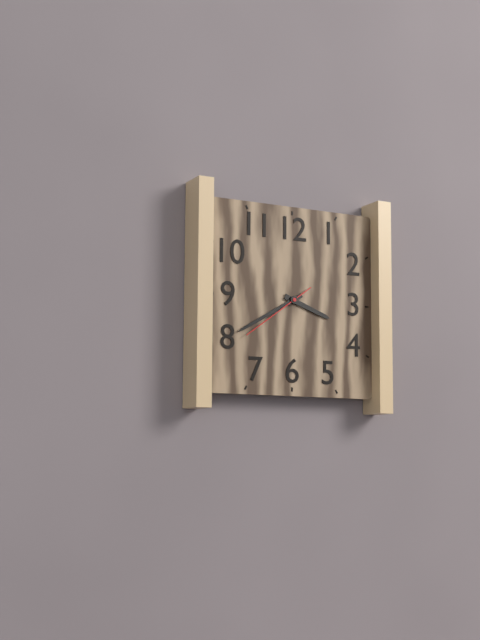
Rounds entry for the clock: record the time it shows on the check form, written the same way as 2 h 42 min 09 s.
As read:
3 h 40 min 39 s
